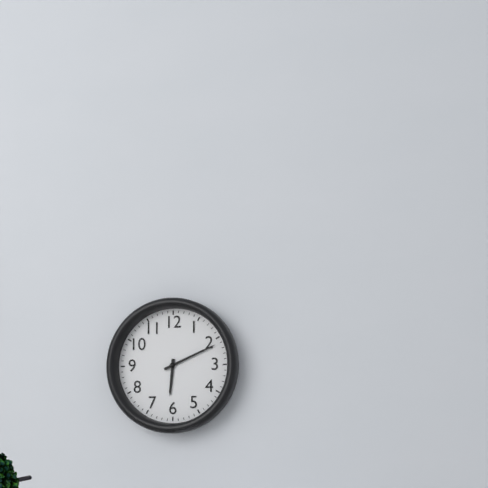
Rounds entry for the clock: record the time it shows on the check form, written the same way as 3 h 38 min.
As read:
6 h 11 min
